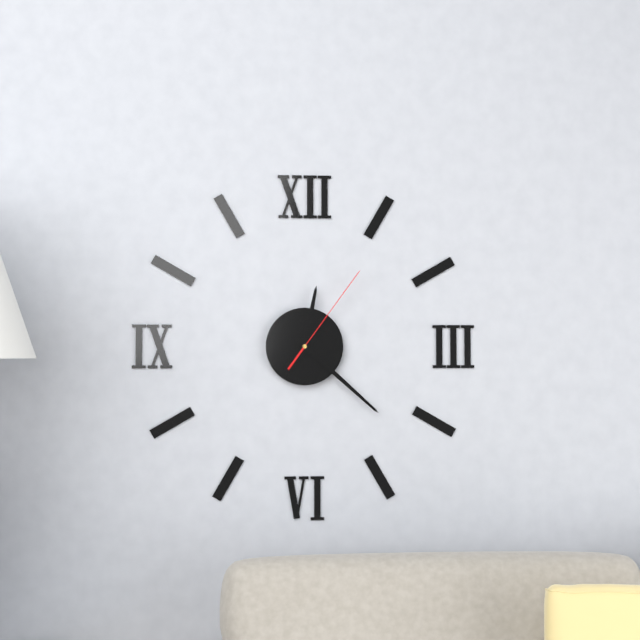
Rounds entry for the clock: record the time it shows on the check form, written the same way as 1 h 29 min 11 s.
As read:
12 h 22 min 06 s
